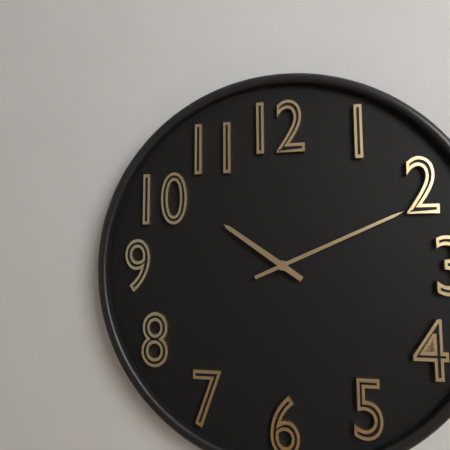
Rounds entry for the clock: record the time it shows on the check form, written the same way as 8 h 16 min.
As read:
10 h 11 min
